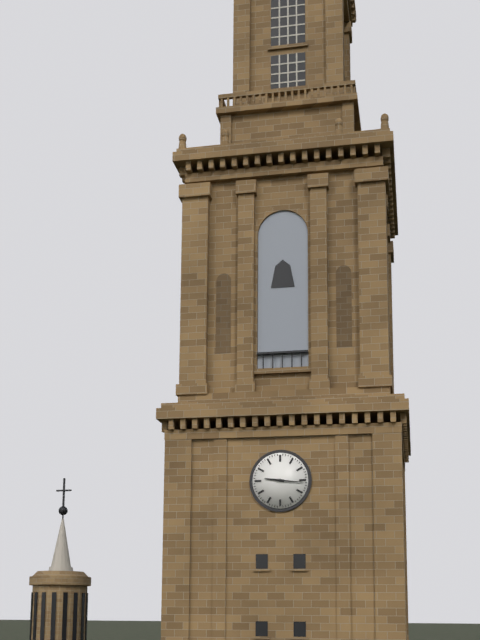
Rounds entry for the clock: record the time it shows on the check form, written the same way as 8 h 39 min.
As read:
9 h 16 min
